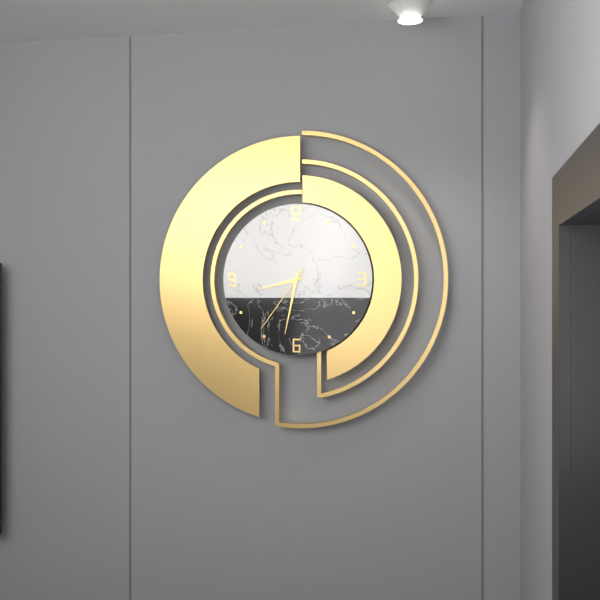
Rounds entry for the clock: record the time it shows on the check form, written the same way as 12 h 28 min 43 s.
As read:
8 h 32 min 36 s
